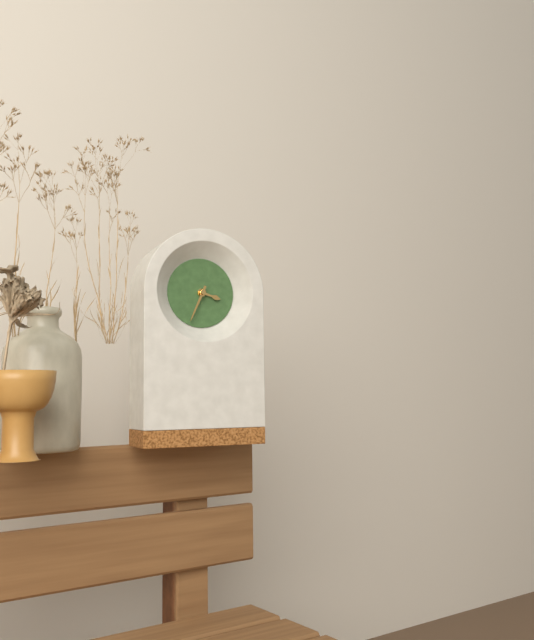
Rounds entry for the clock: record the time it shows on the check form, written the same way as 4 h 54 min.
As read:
3 h 34 min
